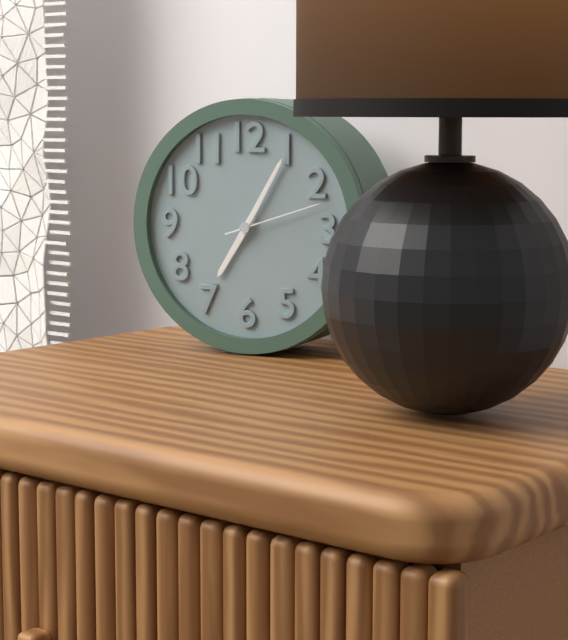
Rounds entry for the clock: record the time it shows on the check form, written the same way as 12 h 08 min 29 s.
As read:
7 h 05 min 12 s
